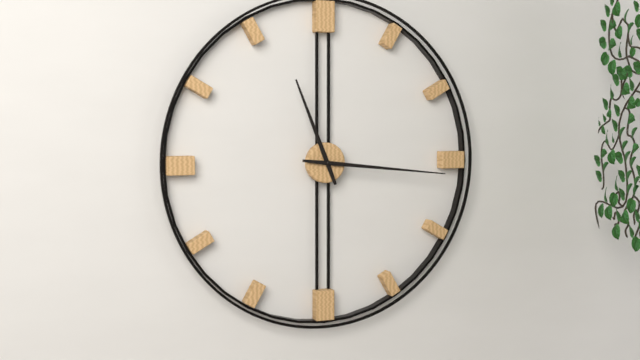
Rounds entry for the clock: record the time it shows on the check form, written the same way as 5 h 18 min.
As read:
11 h 16 min
